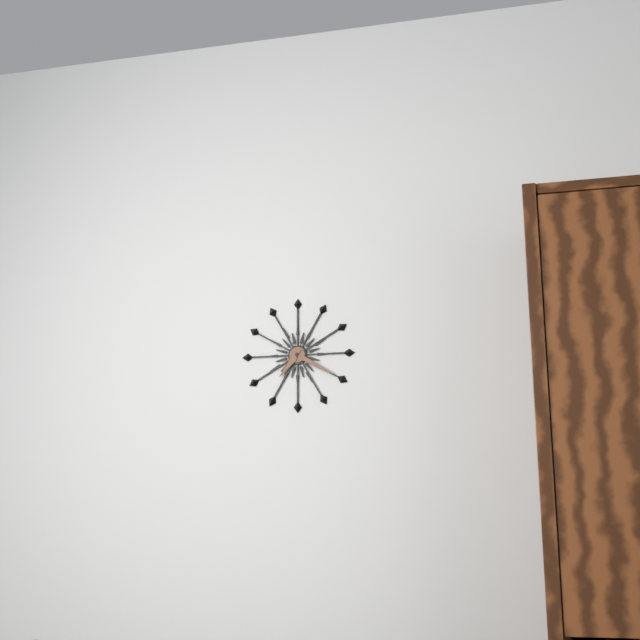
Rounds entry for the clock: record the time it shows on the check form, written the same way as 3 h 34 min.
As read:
7 h 20 min
